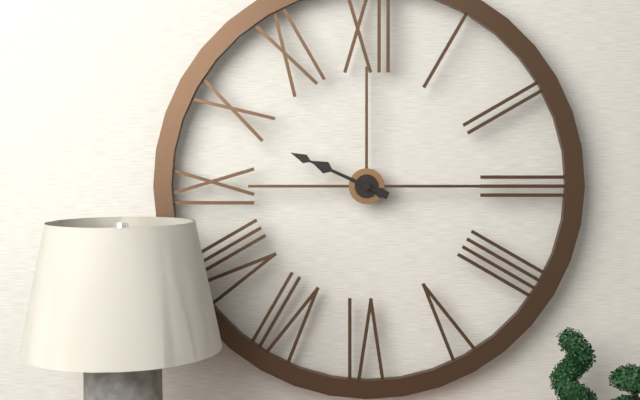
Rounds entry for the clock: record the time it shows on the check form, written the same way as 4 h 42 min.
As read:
9 h 49 min
